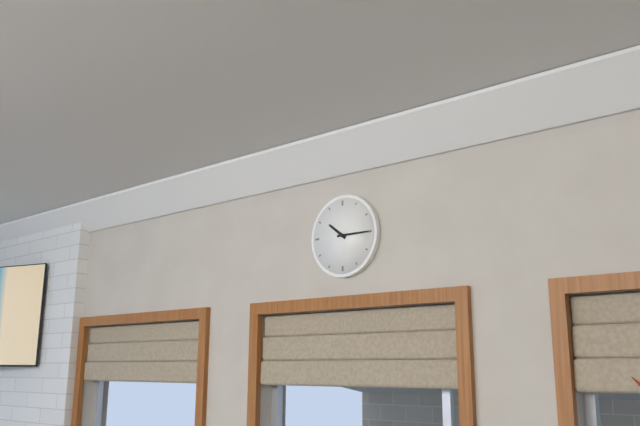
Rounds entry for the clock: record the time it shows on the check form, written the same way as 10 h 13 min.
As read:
10 h 15 min
